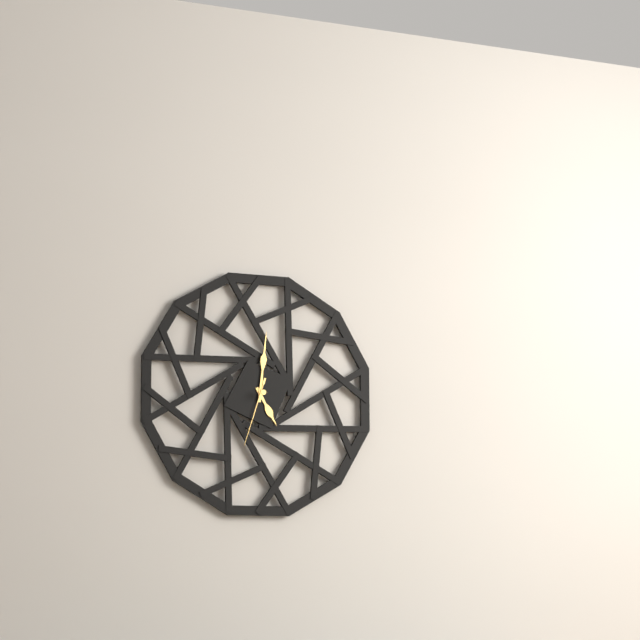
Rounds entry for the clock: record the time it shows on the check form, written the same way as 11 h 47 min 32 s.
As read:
5 h 01 min 33 s
